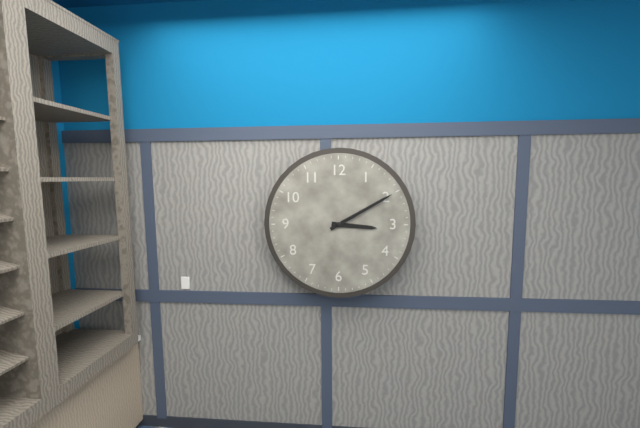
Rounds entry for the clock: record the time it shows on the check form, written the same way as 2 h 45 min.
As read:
3 h 10 min
